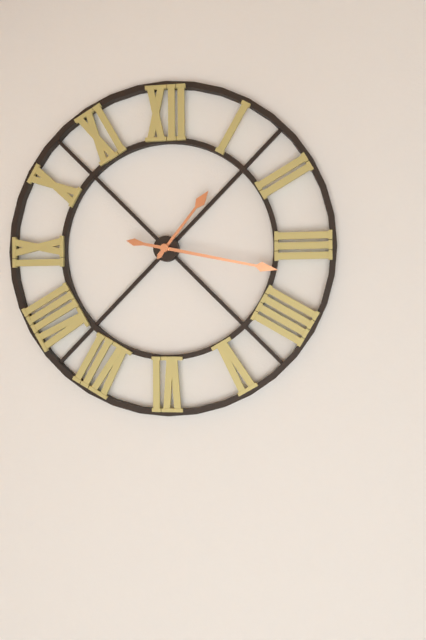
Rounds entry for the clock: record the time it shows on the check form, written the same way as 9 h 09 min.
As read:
1 h 17 min
